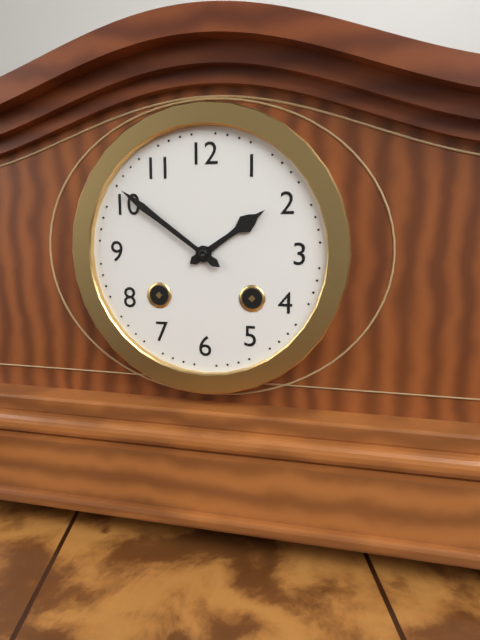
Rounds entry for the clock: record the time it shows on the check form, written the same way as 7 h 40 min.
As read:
1 h 51 min
